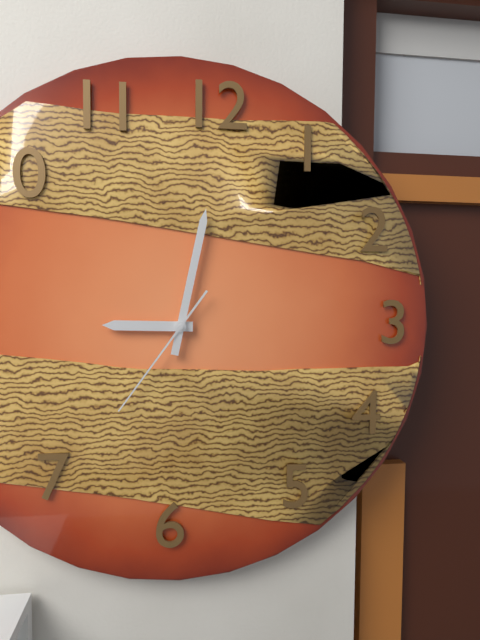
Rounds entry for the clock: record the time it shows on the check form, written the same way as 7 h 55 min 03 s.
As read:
9 h 02 min 36 s
